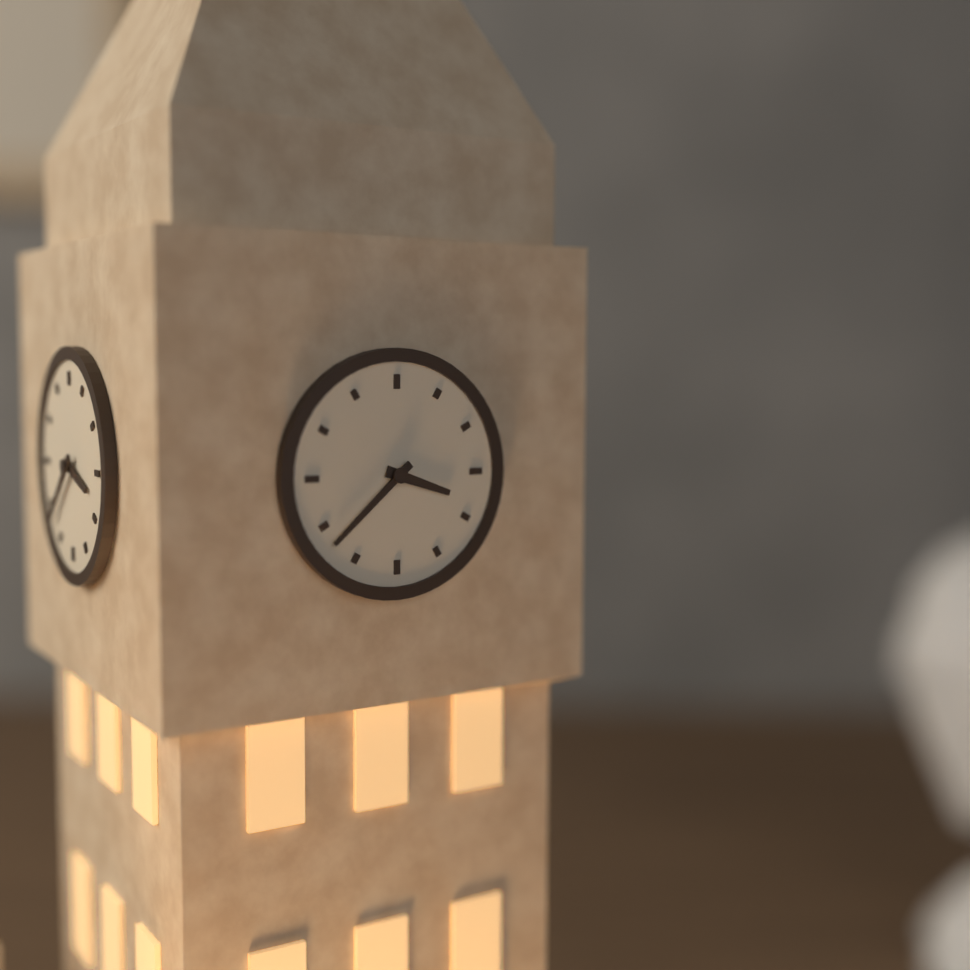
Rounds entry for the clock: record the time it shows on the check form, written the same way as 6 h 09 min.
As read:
3 h 38 min
